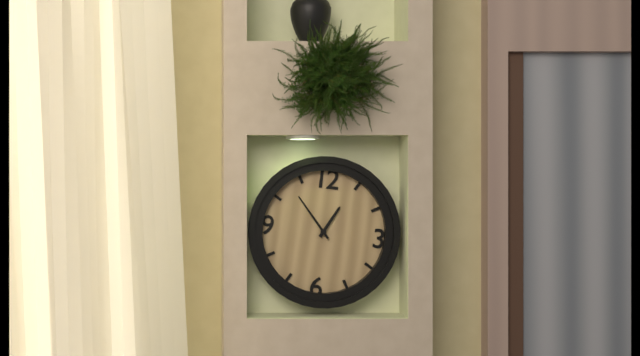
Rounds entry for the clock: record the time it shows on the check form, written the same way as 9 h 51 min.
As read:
12 h 53 min
